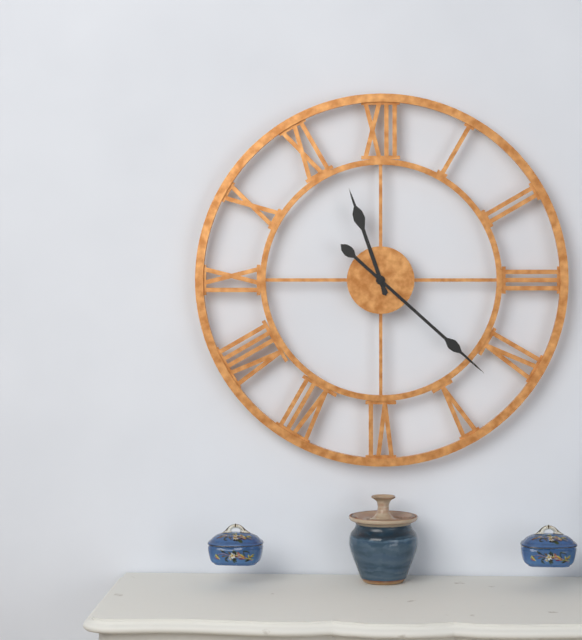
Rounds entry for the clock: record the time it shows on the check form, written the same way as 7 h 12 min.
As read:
11 h 22 min
